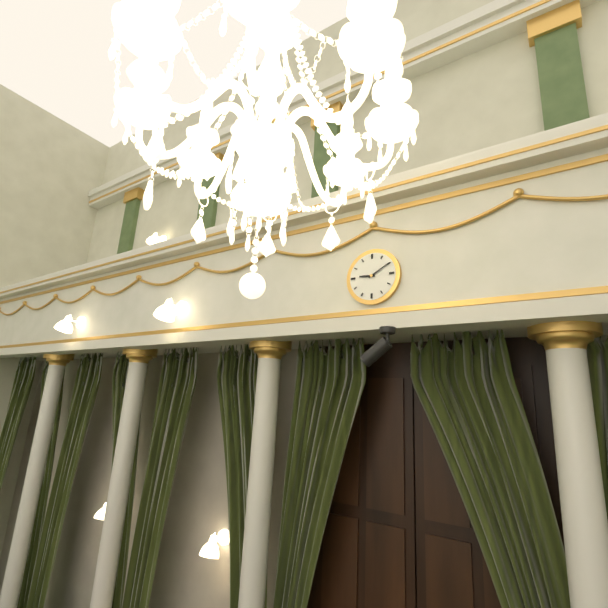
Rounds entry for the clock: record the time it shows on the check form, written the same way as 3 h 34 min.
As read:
9 h 10 min
